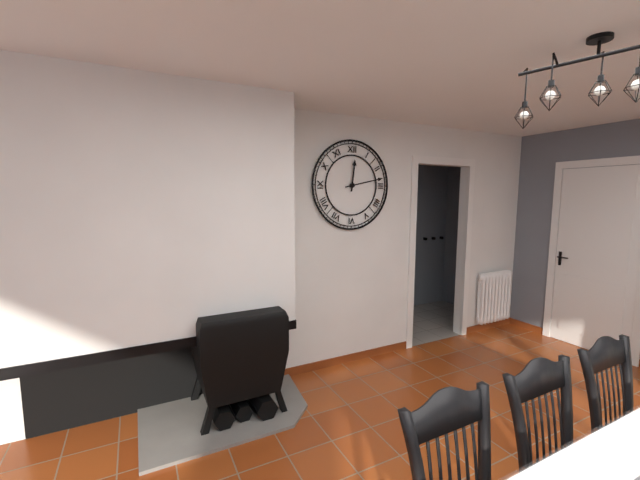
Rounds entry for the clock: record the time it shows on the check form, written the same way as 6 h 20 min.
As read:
12 h 13 min
